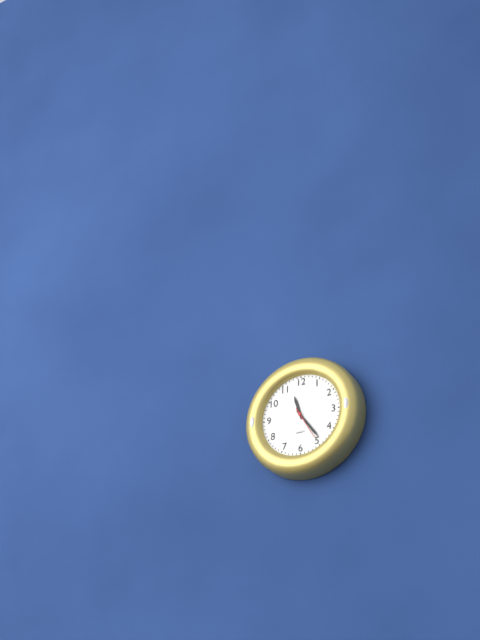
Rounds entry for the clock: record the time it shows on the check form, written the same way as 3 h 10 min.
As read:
11 h 24 min
